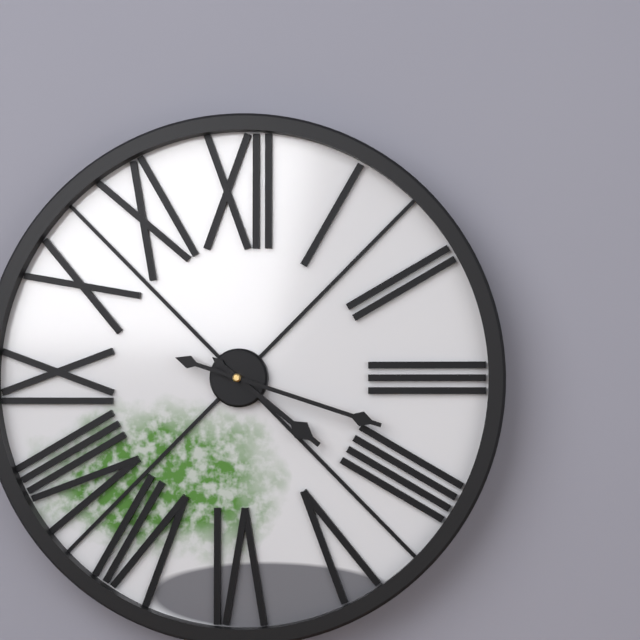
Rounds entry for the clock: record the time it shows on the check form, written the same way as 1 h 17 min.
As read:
4 h 18 min
